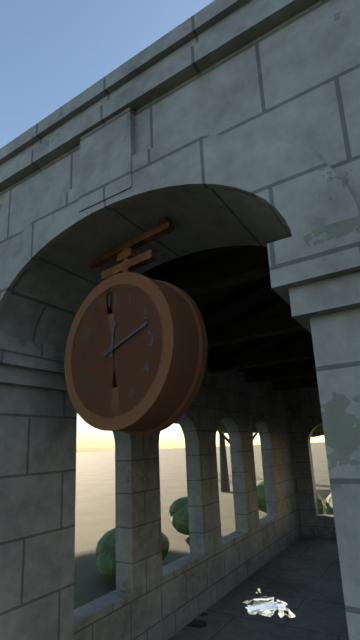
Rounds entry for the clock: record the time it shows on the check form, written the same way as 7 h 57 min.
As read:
12 h 12 min
